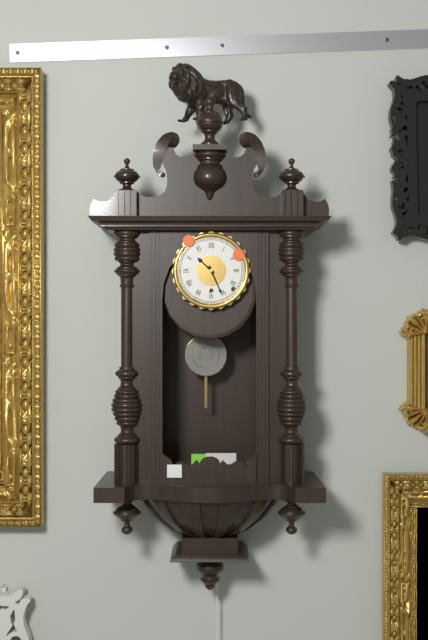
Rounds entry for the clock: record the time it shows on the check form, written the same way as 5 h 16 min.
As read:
10 h 26 min
